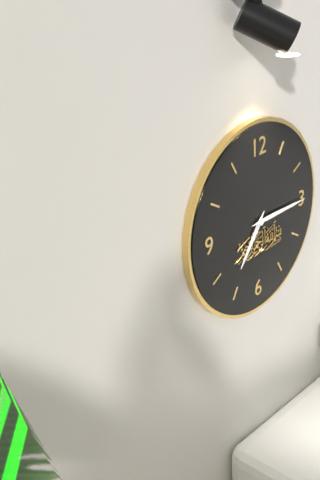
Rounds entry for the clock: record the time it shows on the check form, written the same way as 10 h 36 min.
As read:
7 h 15 min
